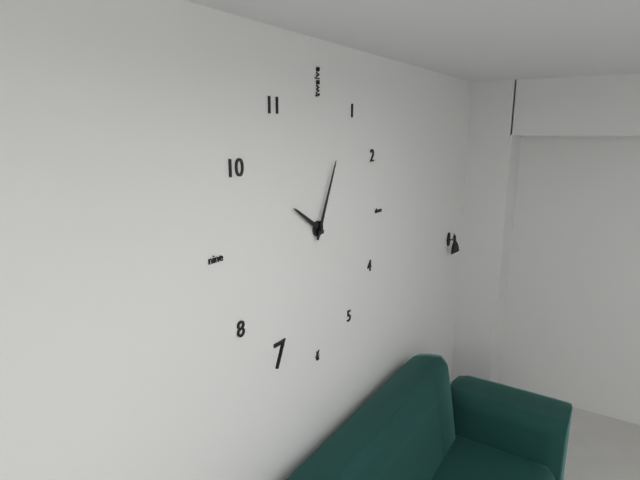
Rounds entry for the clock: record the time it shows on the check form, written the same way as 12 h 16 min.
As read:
10 h 04 min
